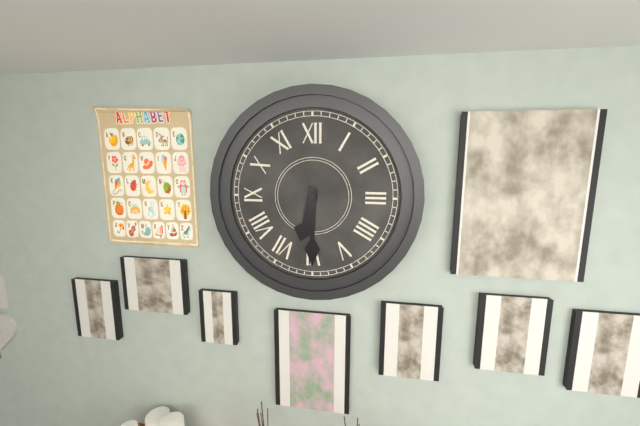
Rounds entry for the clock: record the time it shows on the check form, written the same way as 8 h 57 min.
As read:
6 h 30 min
